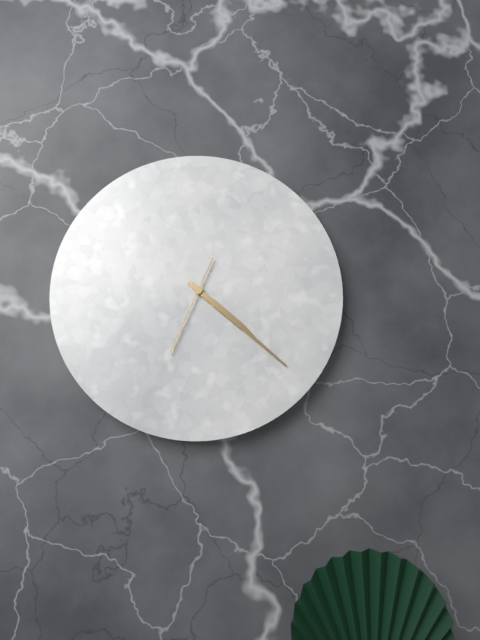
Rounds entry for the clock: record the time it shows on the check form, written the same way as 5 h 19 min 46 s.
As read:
4 h 22 min 34 s
